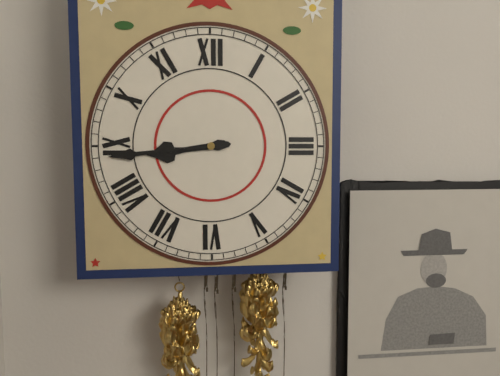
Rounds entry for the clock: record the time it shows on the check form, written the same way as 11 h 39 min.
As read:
8 h 44 min
